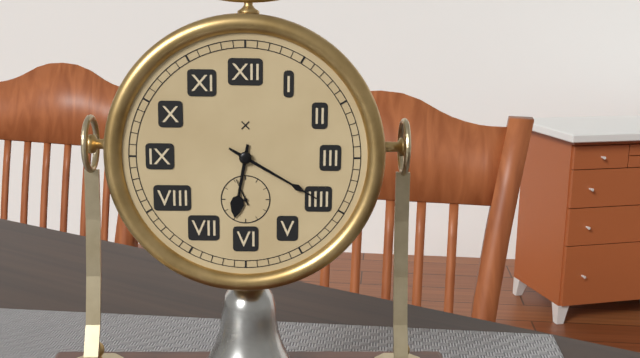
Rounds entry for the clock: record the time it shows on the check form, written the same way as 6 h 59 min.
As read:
6 h 20 min
